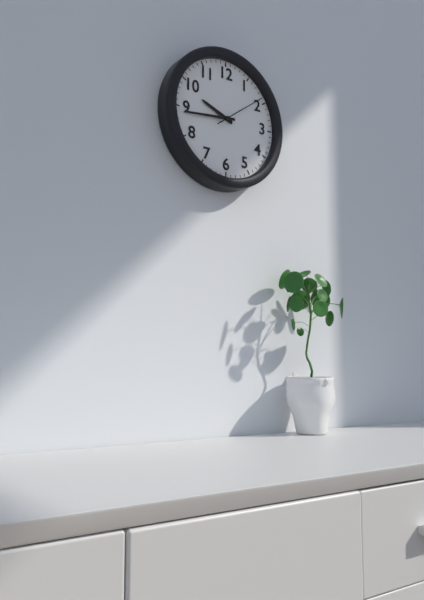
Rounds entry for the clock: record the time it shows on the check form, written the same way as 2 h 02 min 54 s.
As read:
9 h 44 min 09 s
